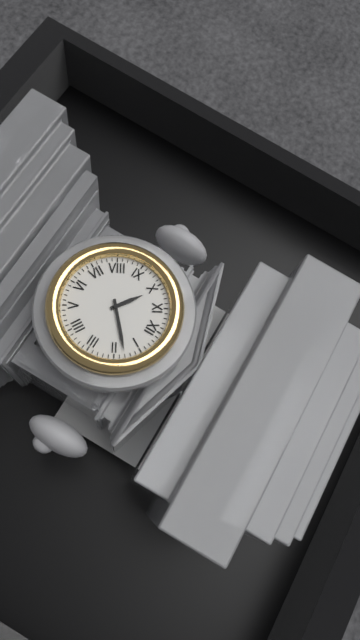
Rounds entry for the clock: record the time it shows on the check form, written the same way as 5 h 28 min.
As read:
10 h 08 min
